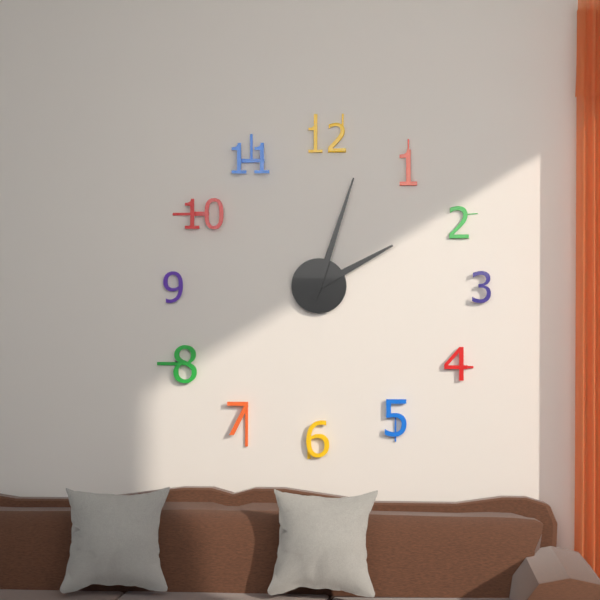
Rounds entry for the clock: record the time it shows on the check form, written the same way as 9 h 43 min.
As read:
2 h 03 min
